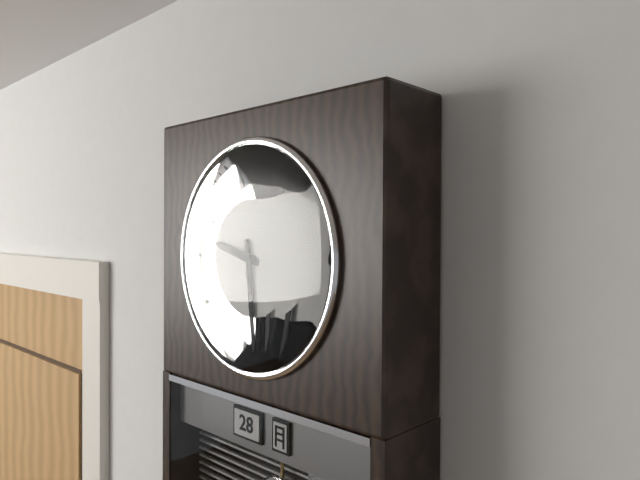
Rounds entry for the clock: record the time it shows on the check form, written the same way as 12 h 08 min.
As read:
9 h 29 min
